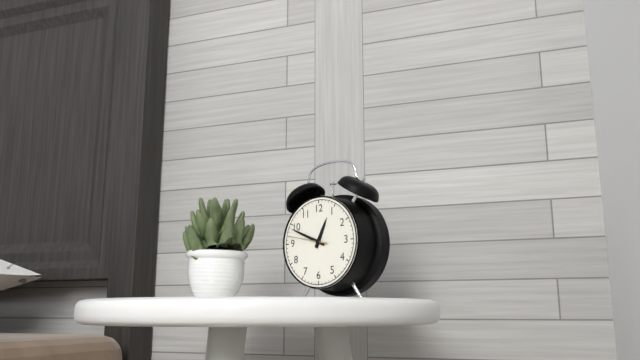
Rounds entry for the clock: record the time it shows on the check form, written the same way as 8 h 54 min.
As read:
12 h 49 min
